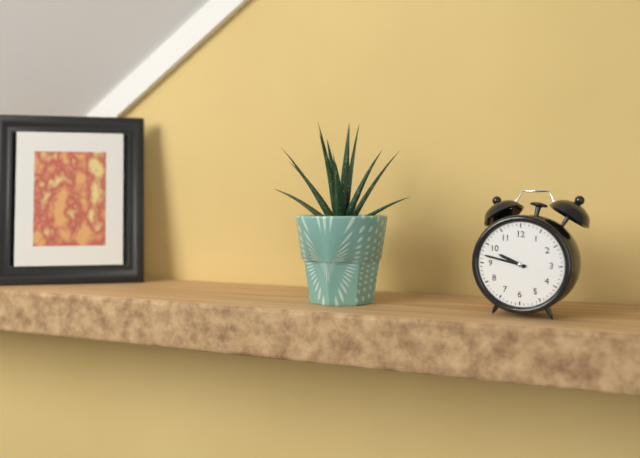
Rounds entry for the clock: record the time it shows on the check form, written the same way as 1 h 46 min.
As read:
9 h 47 min
